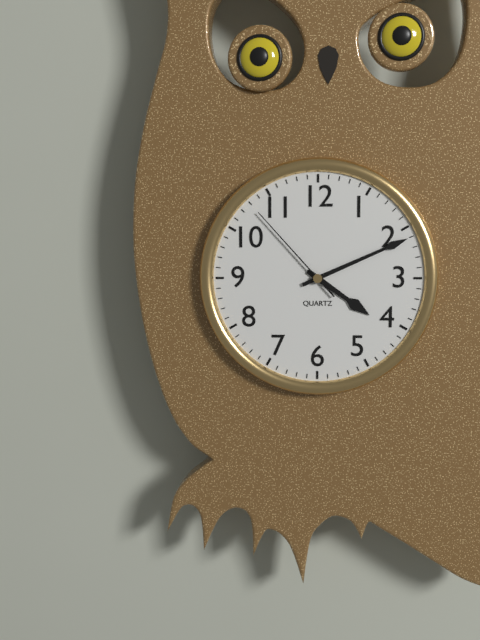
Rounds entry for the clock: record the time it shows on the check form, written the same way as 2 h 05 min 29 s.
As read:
4 h 11 min 53 s
